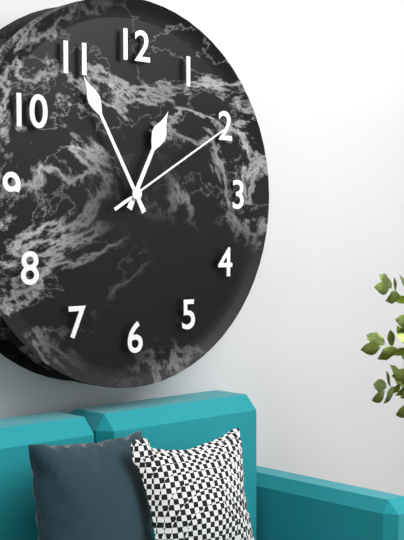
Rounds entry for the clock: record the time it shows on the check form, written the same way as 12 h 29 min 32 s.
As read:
12 h 55 min 10 s
